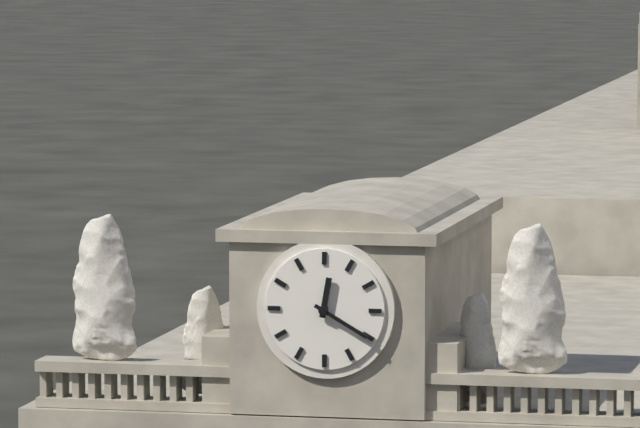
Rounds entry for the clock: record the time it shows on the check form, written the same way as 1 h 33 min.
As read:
12 h 20 min
